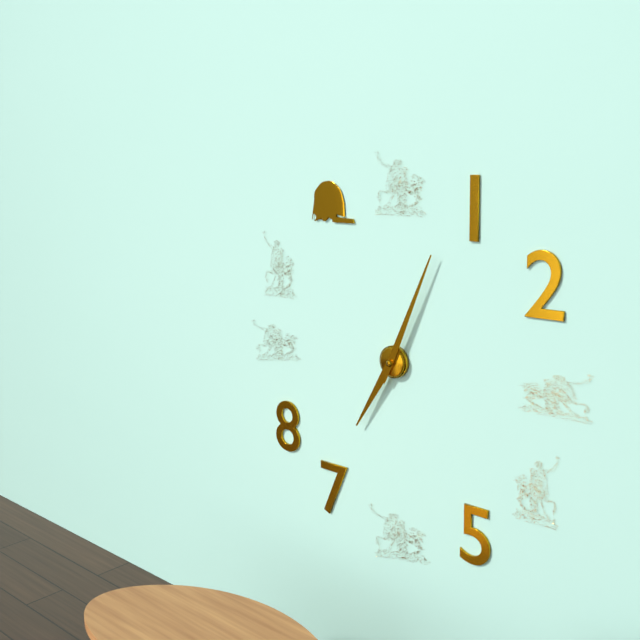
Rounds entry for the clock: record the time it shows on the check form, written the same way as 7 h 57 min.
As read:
7 h 04 min
